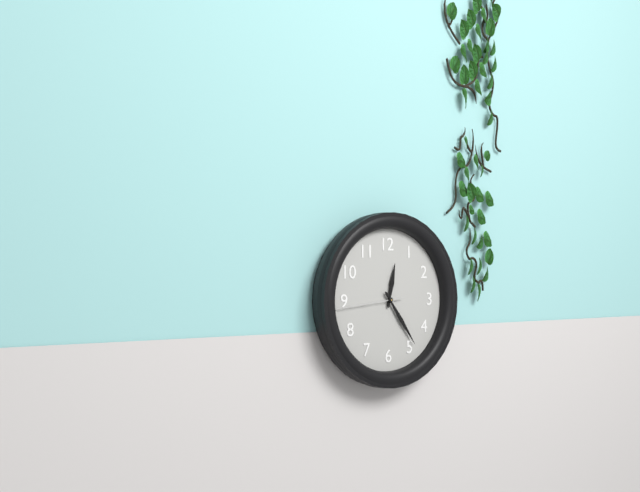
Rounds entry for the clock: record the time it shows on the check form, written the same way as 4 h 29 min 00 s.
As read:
12 h 24 min 44 s
